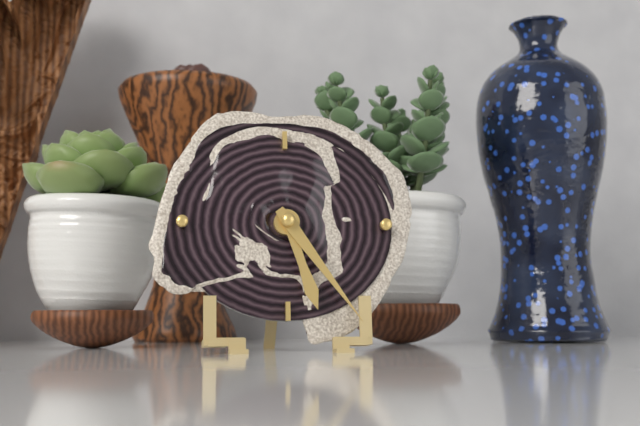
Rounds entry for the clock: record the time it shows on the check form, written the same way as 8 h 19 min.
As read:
5 h 24 min
